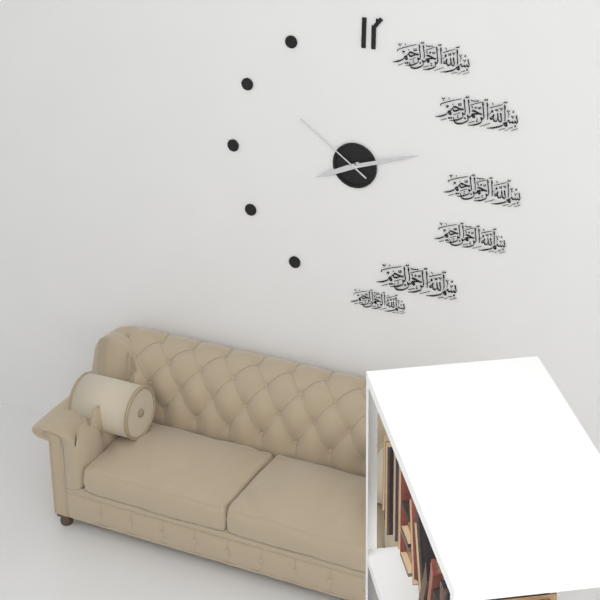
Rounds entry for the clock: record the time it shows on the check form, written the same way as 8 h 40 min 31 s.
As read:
8 h 12 min 51 s
